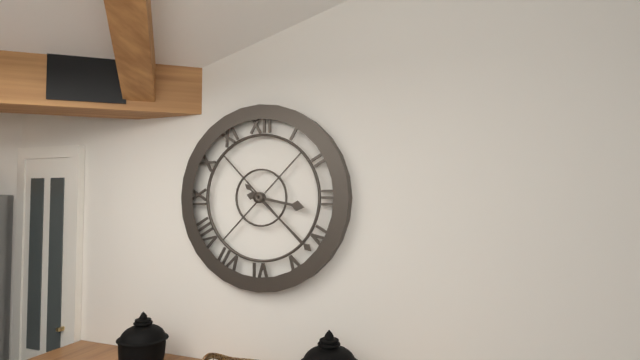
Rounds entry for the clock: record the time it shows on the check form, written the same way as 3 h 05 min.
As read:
3 h 22 min
